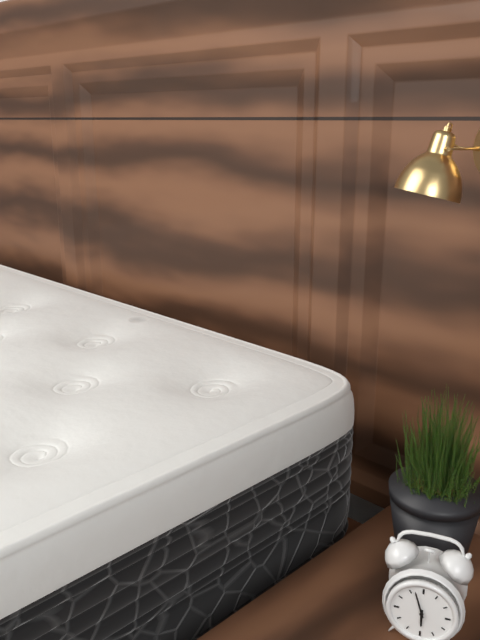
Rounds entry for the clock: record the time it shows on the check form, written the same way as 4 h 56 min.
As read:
5 h 57 min
